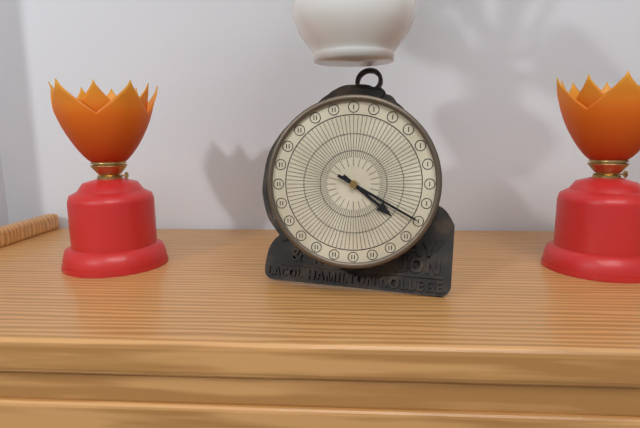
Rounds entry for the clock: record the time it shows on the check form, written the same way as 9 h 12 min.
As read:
4 h 20 min
